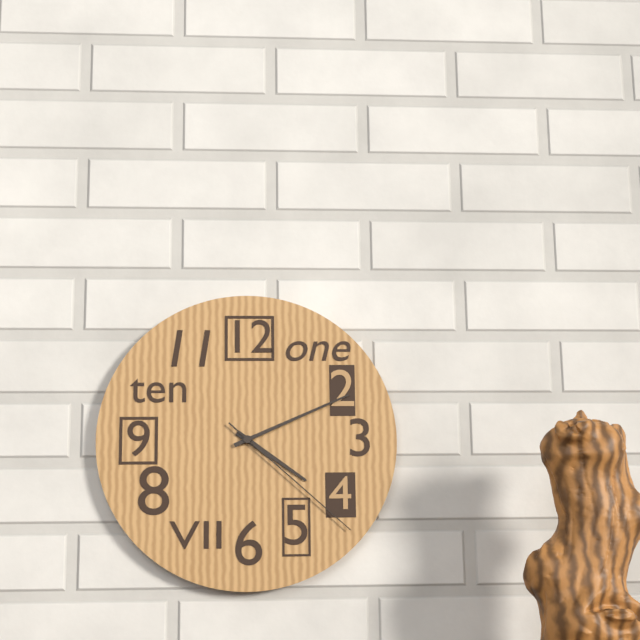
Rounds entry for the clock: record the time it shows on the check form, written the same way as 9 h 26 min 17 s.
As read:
4 h 11 min 22 s
